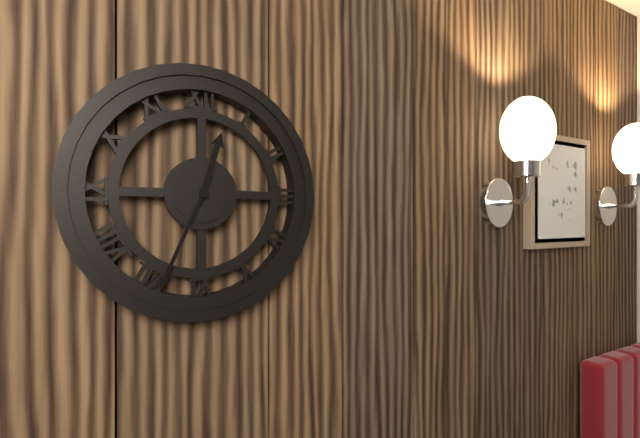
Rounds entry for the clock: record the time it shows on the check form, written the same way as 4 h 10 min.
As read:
12 h 34 min
